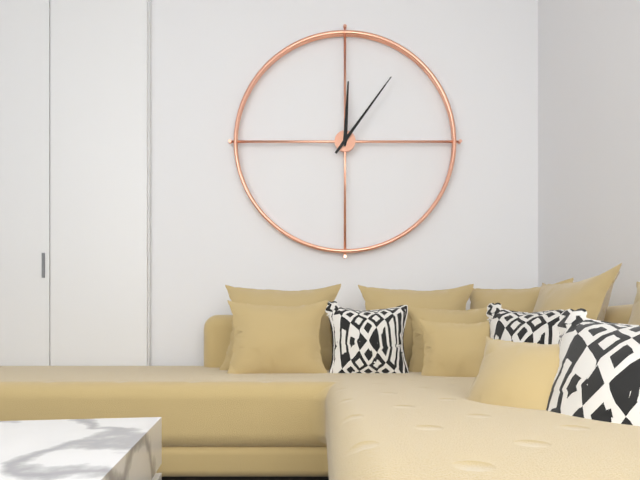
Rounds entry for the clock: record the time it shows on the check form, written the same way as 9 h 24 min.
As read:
12 h 06 min
